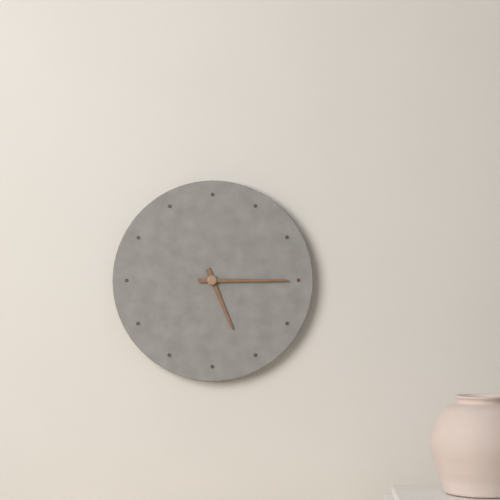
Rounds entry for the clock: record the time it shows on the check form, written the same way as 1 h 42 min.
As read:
5 h 15 min
